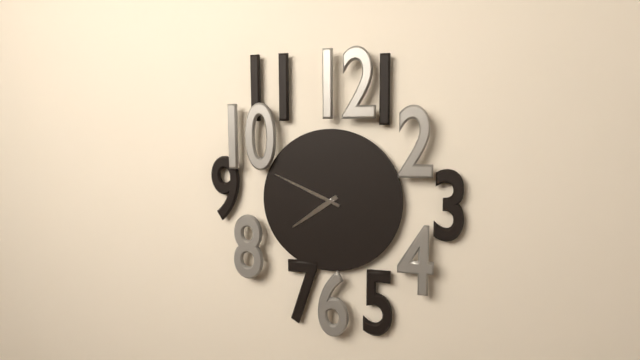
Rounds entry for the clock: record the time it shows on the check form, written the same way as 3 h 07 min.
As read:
7 h 49 min
